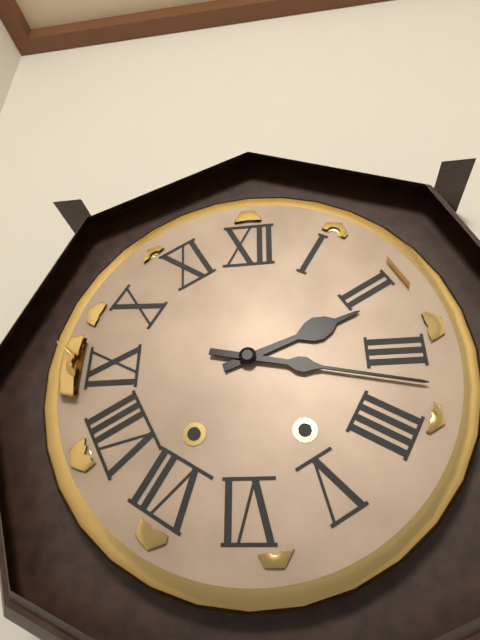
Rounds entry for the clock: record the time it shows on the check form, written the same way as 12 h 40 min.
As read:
2 h 17 min
